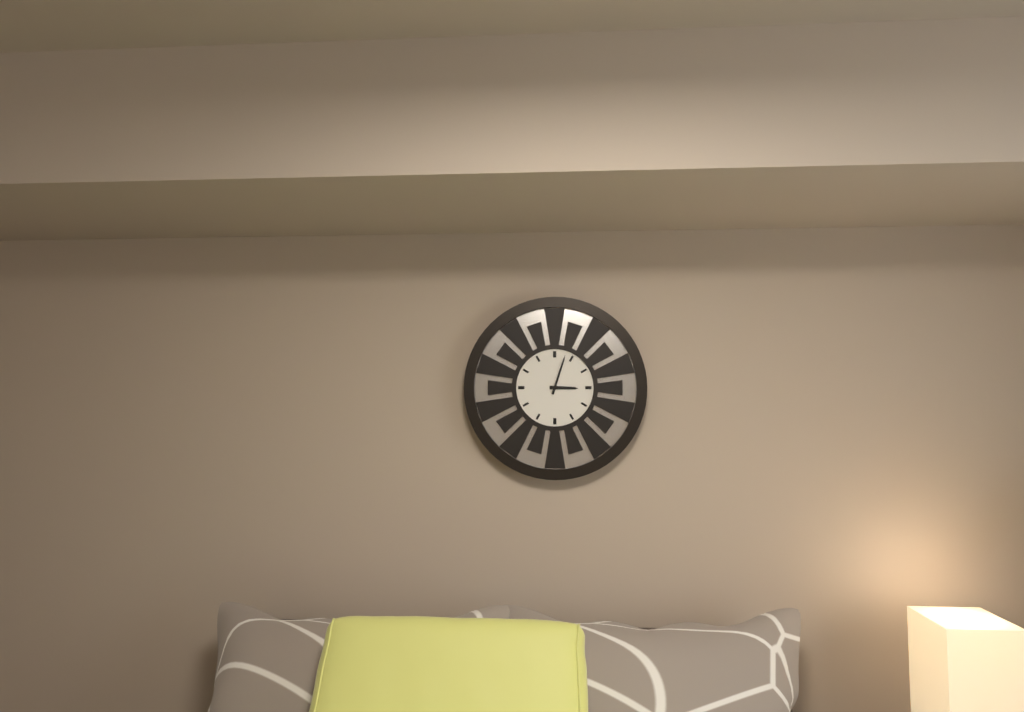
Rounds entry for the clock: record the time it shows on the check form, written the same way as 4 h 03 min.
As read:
3 h 03 min
